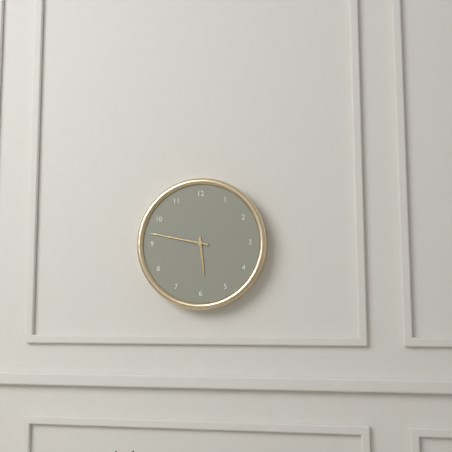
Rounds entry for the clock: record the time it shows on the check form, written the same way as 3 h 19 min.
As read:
5 h 47 min
